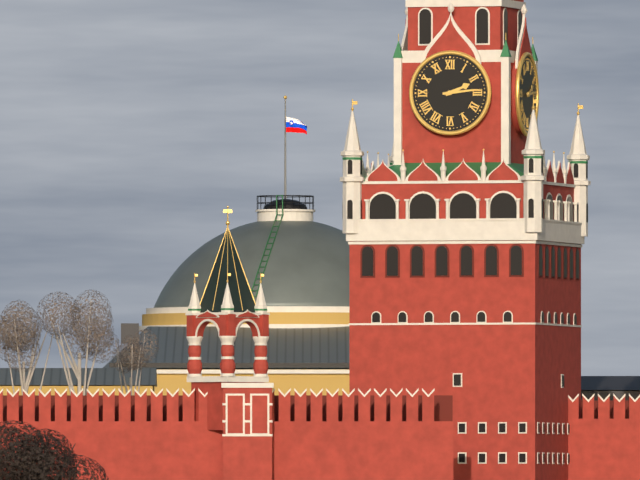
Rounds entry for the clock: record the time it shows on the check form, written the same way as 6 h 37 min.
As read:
2 h 14 min
